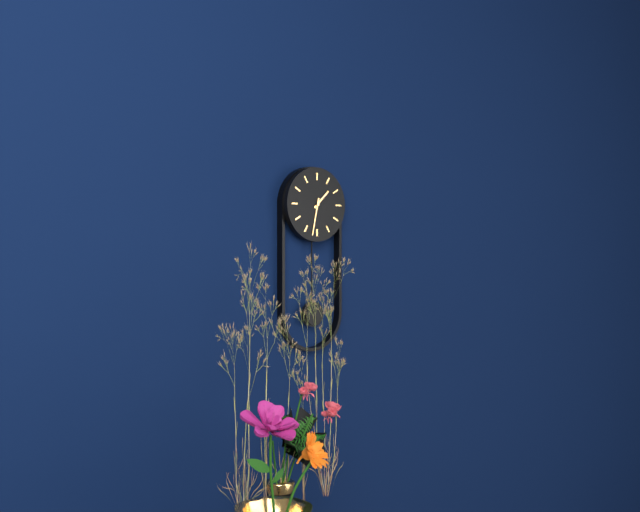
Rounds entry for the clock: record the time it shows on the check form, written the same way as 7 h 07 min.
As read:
1 h 32 min
